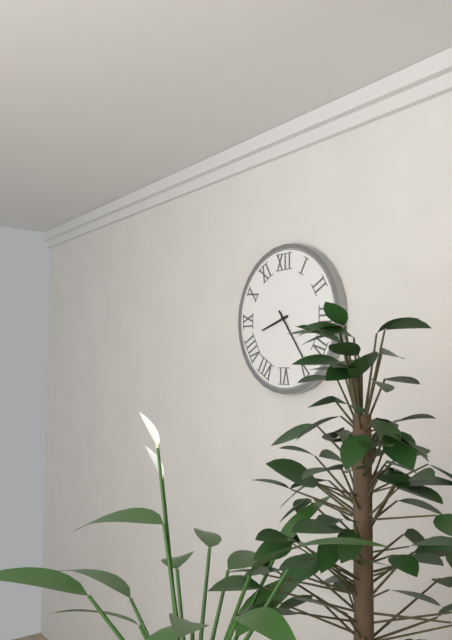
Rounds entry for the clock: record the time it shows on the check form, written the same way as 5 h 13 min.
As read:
8 h 24 min
